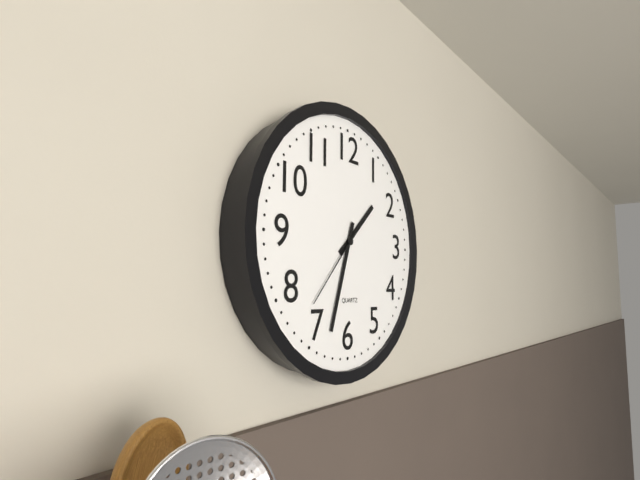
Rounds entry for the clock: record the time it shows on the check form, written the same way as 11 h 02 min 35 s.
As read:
1 h 33 min 37 s
